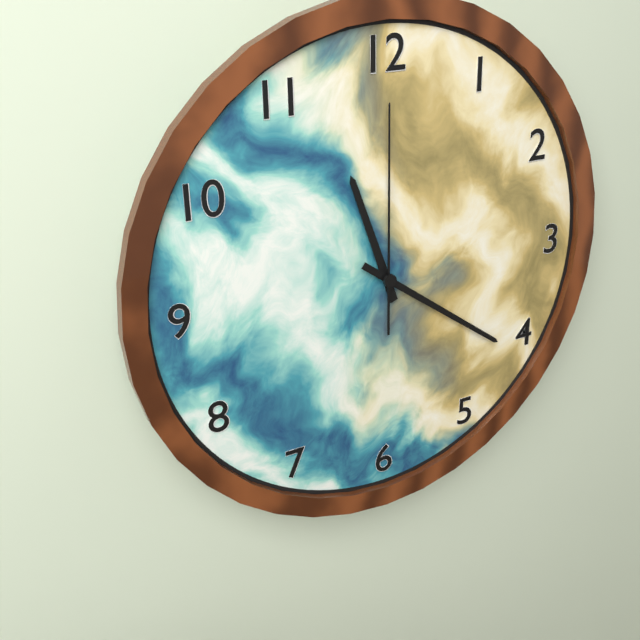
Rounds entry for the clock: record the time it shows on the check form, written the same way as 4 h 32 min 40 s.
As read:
11 h 21 min 00 s
